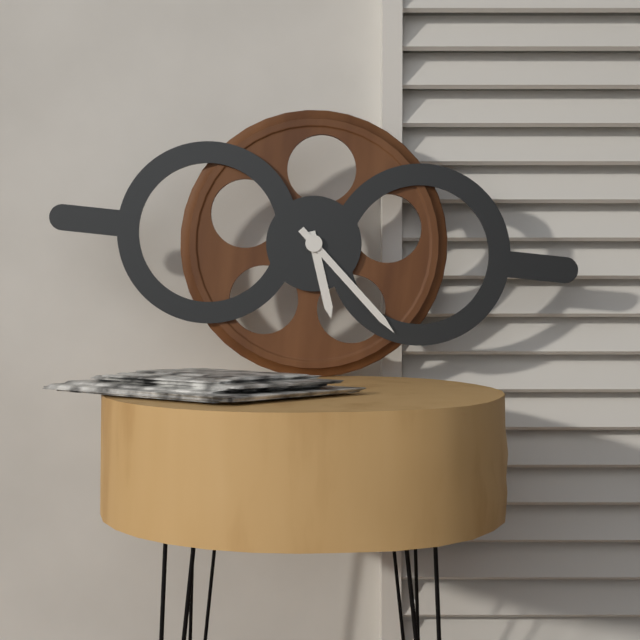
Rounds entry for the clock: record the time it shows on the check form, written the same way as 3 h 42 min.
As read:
5 h 22 min
